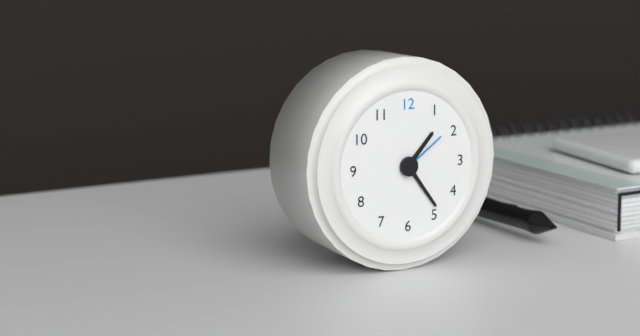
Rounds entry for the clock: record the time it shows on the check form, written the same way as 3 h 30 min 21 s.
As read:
1 h 24 min 09 s
